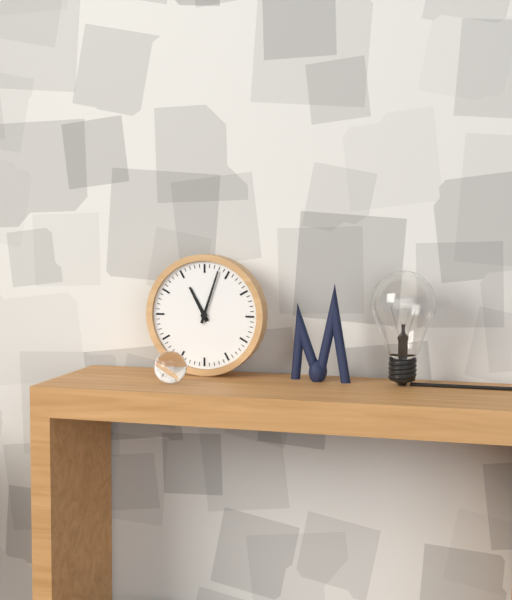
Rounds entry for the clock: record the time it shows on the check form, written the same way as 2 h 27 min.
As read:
11 h 03 min
